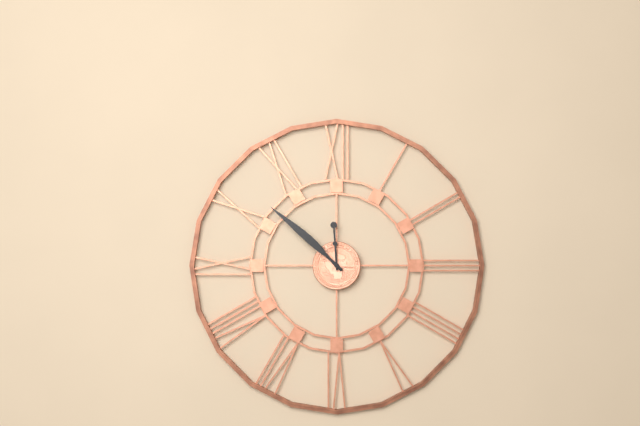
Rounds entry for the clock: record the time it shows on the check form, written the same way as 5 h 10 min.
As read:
11 h 52 min
